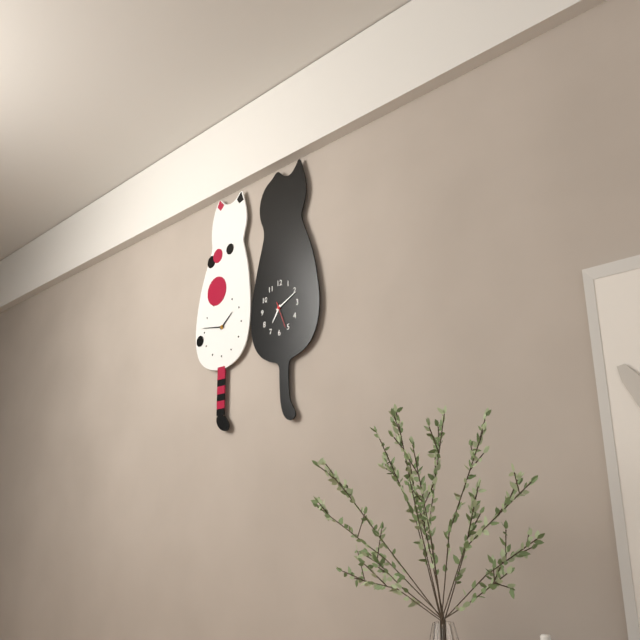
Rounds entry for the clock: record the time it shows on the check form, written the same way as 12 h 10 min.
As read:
7 h 11 min
